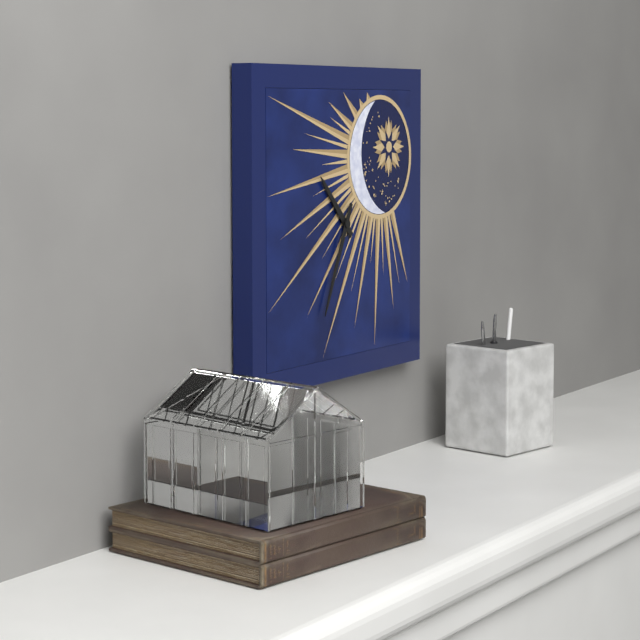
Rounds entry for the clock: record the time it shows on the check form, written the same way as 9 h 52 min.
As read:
10 h 34 min
